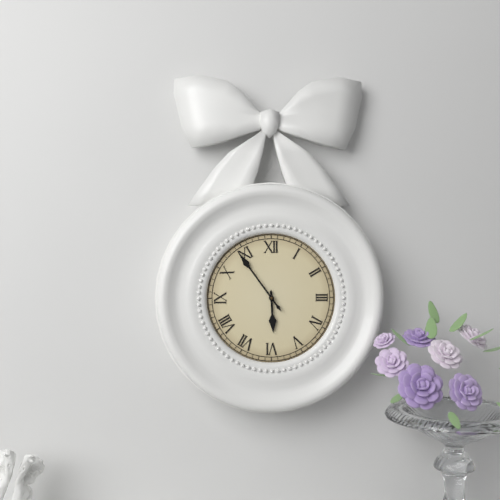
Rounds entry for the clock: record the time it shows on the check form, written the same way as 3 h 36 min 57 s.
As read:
5 h 54 min 54 s
